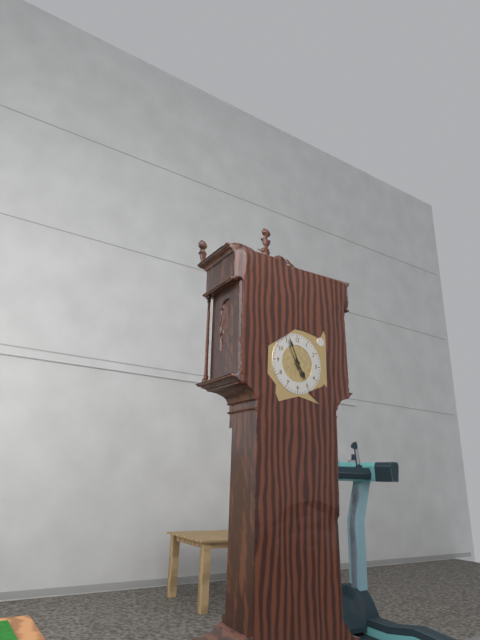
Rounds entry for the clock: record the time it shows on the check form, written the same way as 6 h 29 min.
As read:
4 h 56 min
